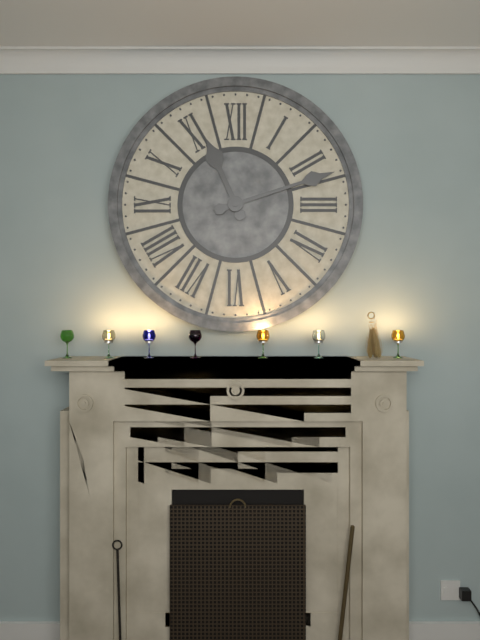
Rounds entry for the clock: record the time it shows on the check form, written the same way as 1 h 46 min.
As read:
11 h 12 min
